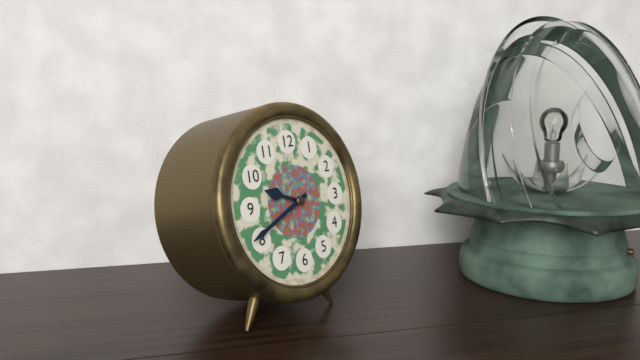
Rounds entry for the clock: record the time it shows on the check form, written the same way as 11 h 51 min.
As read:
9 h 41 min
